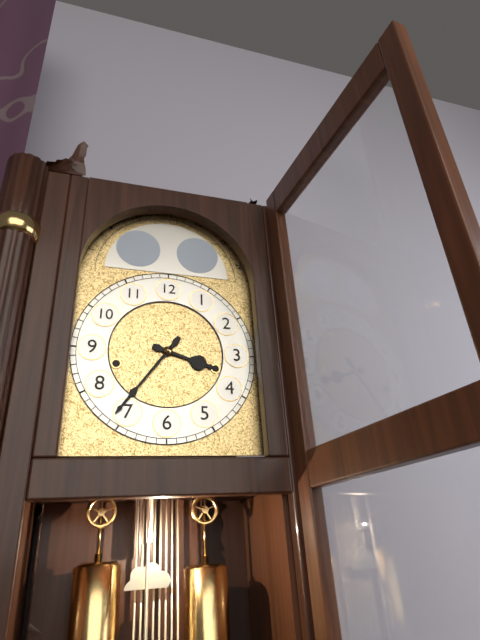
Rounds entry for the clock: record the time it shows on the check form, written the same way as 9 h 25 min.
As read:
3 h 36 min
